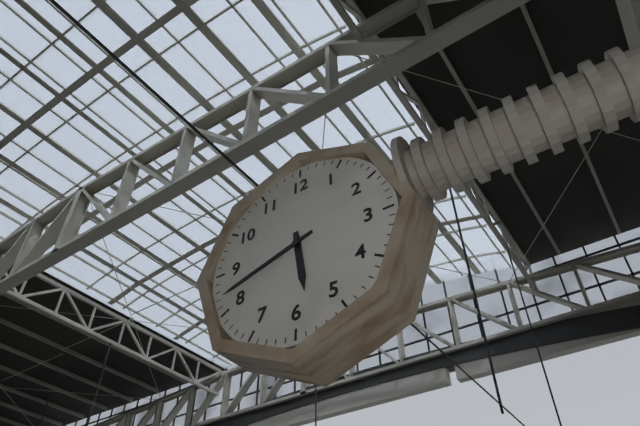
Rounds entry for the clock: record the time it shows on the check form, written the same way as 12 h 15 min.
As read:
5 h 42 min
